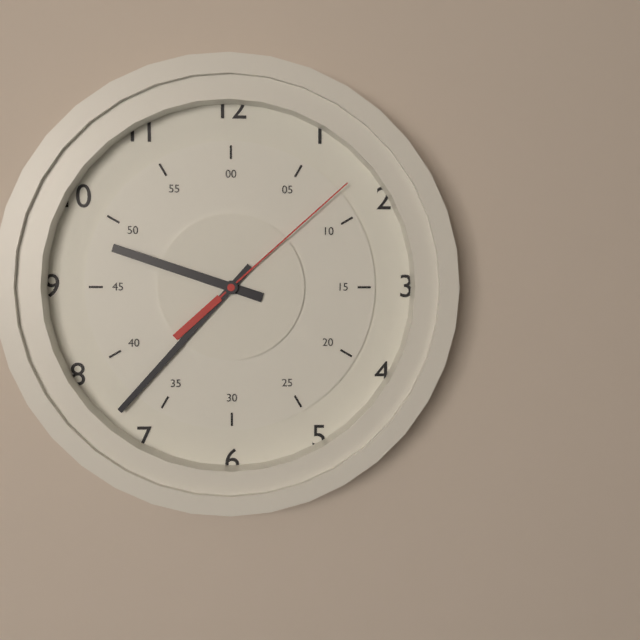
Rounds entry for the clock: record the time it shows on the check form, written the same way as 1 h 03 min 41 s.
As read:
9 h 37 min 08 s
